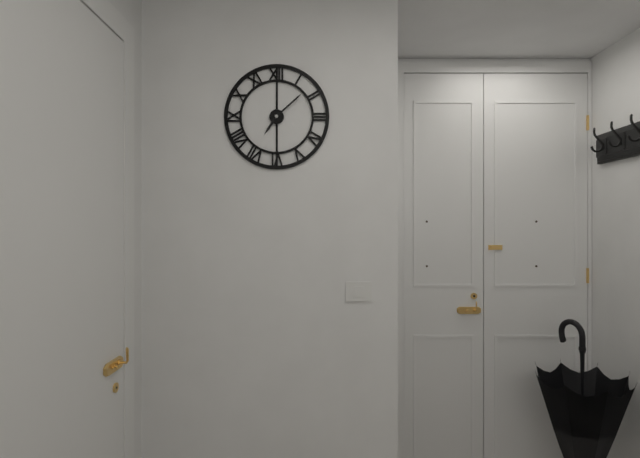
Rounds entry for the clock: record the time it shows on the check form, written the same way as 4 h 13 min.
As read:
7 h 08 min
